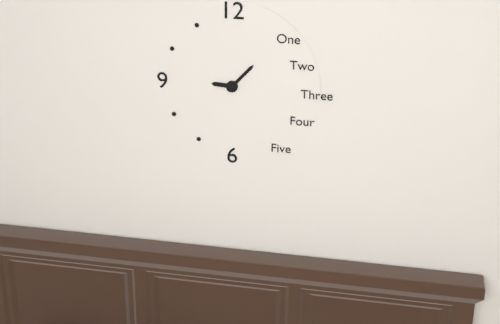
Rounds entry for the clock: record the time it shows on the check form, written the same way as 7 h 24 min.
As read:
9 h 07 min
